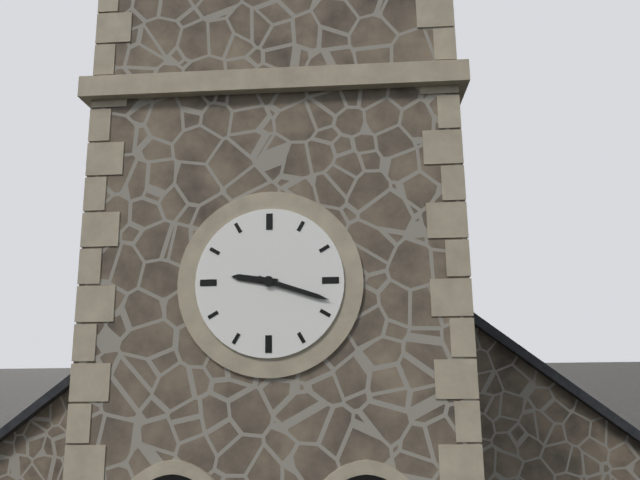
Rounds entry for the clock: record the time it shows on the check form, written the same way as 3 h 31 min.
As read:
9 h 18 min
